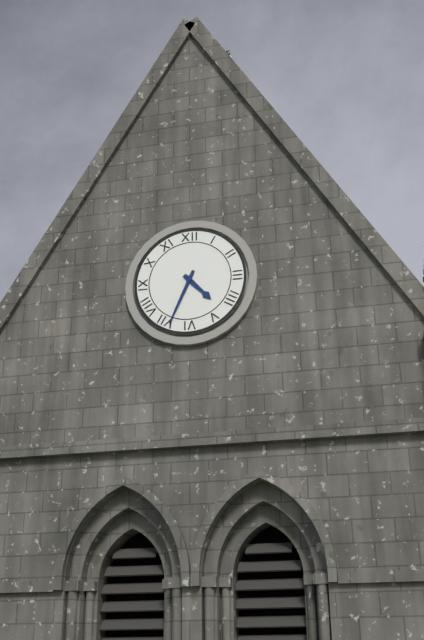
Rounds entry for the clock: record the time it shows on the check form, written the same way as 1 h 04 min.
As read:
4 h 34 min
